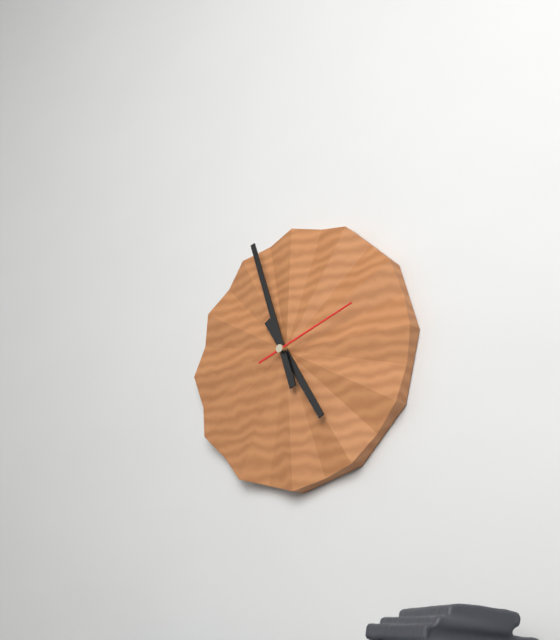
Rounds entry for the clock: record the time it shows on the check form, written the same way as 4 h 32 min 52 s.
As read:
4 h 57 min 12 s
